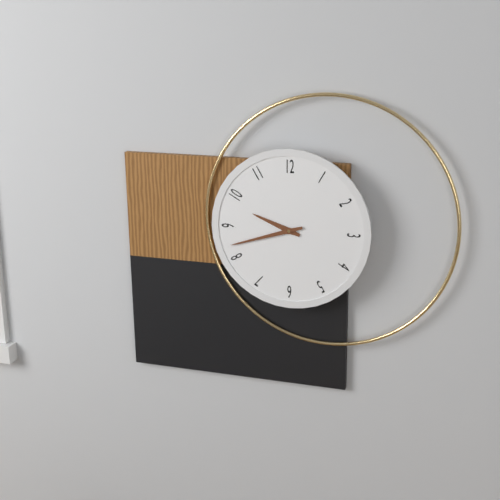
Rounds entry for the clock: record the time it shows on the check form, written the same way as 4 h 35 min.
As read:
9 h 42 min
